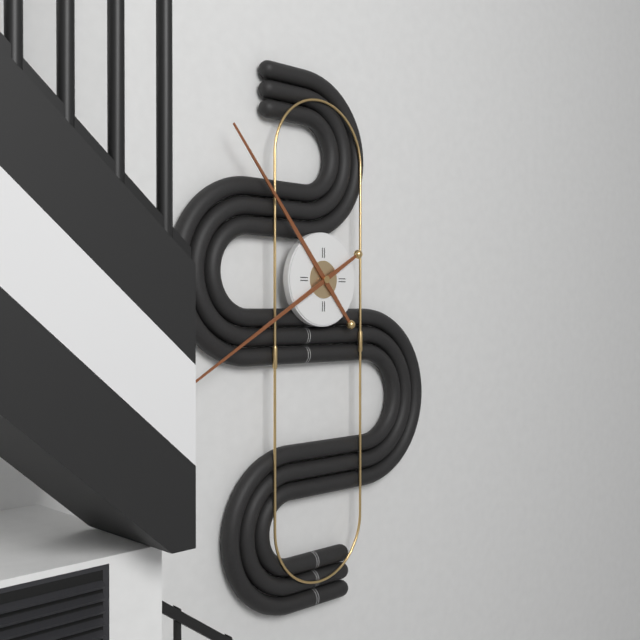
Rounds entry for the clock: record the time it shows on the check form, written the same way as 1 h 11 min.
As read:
10 h 40 min
